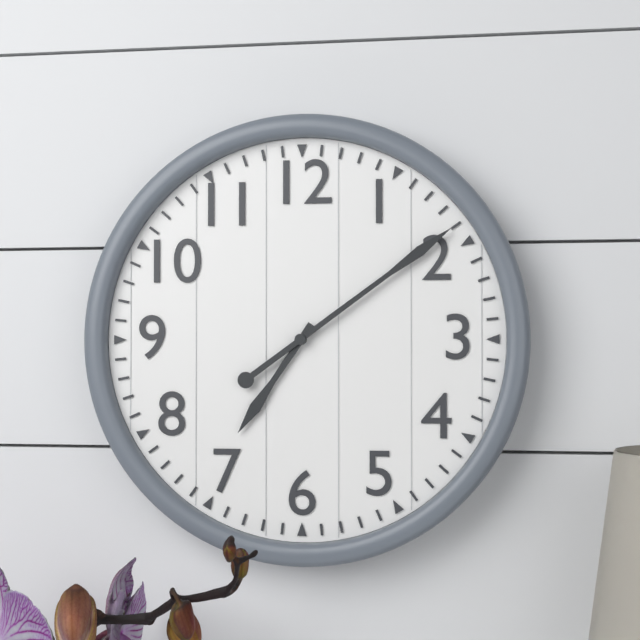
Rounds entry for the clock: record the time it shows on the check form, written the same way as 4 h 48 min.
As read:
7 h 09 min
